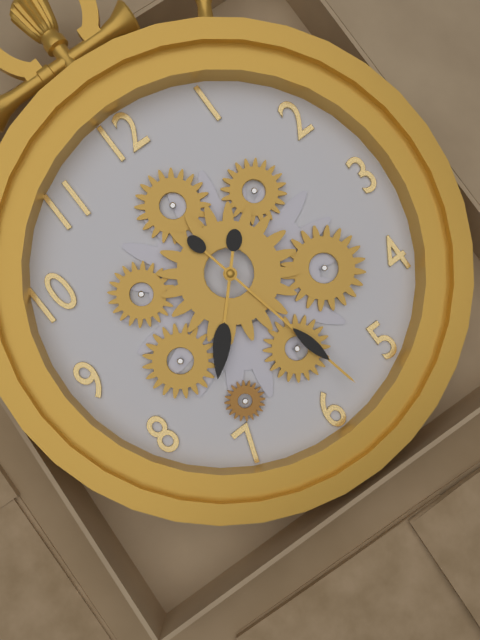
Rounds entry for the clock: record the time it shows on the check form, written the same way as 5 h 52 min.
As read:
7 h 28 min
